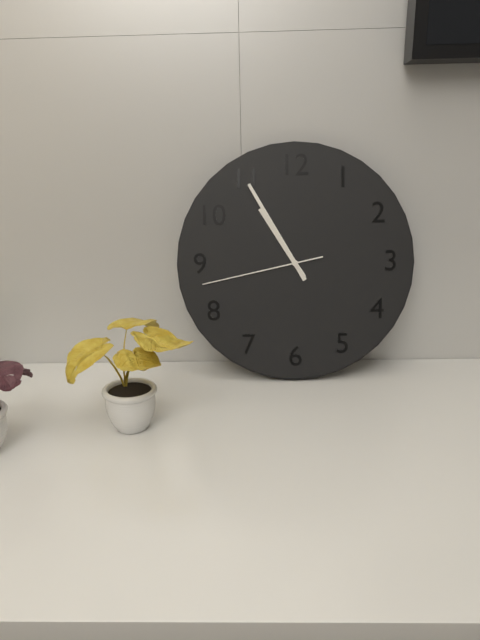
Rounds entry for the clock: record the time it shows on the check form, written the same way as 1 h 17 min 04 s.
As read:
10 h 55 min 43 s
